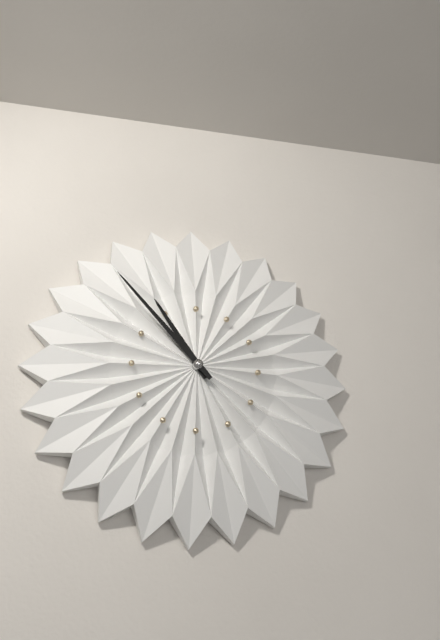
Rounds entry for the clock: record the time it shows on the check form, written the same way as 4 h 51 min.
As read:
10 h 53 min
